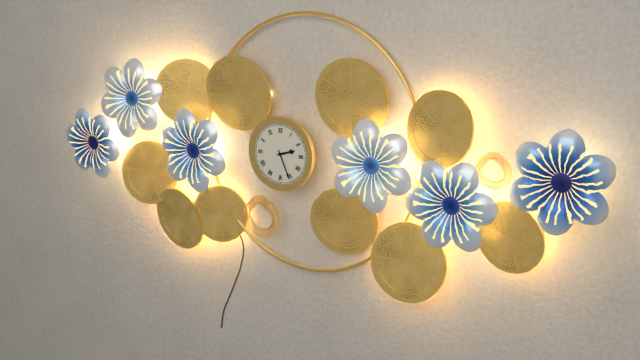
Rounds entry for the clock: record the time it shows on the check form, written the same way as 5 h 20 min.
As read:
2 h 26 min
